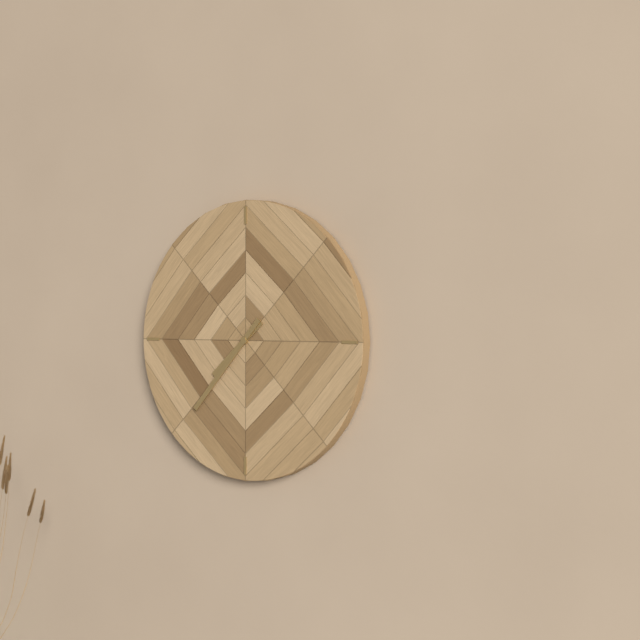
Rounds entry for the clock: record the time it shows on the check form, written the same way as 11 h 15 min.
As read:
7 h 37 min
